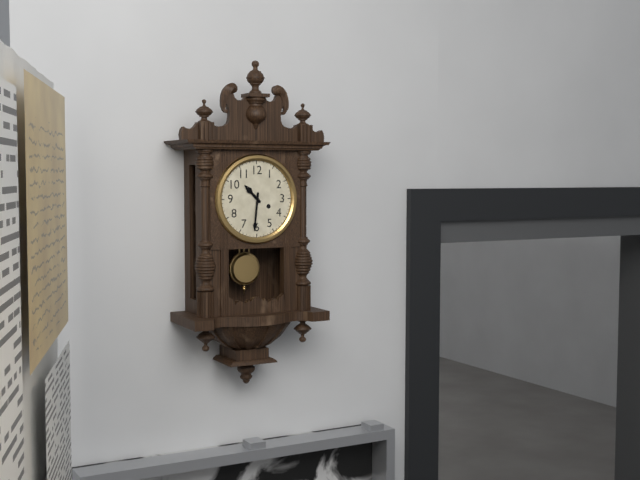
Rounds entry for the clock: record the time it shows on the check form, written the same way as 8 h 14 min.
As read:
10 h 31 min
